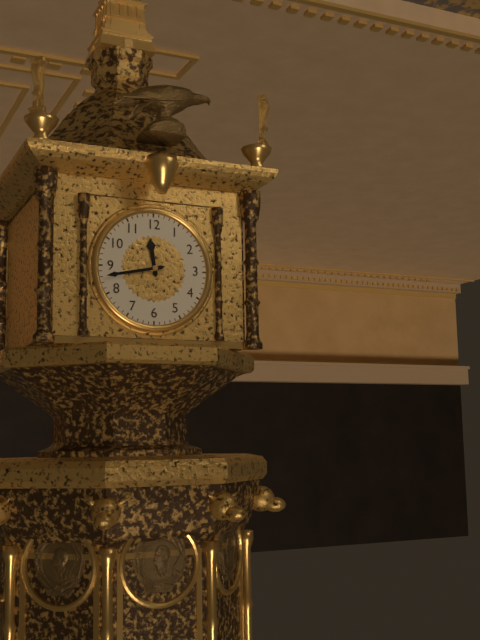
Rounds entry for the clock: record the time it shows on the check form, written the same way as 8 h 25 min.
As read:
11 h 43 min
